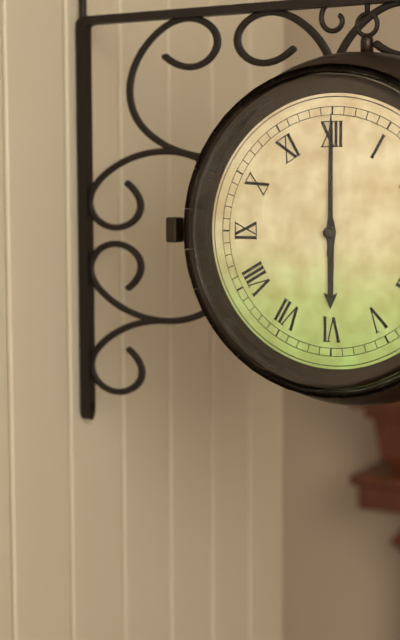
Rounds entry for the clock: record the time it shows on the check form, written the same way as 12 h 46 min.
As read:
6 h 00 min
